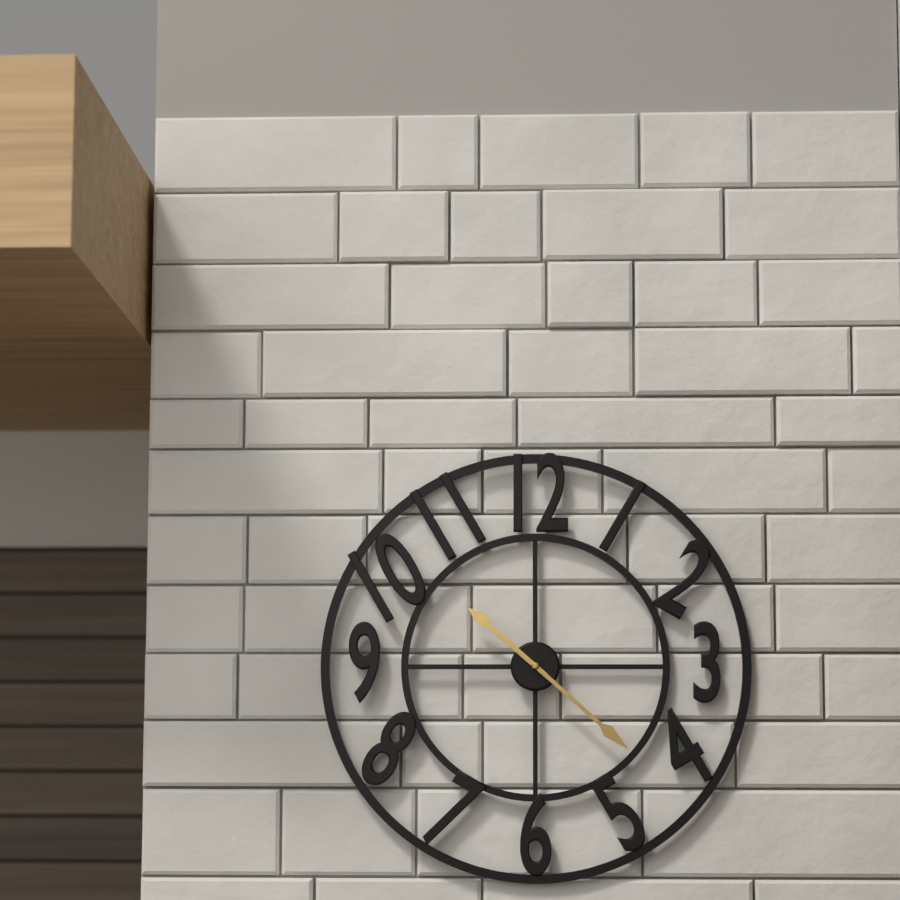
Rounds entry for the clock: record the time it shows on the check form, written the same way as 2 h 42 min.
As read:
10 h 22 min
